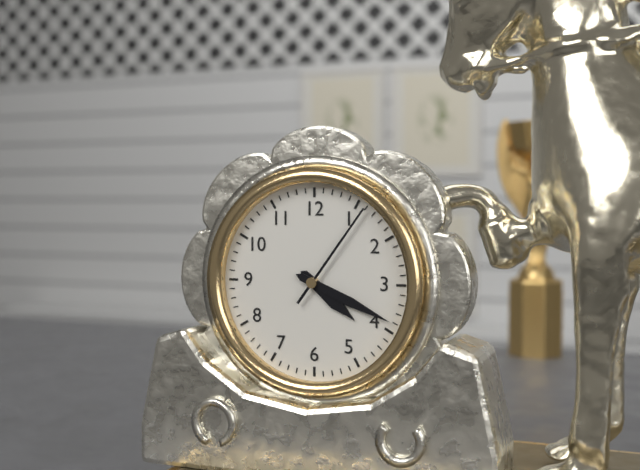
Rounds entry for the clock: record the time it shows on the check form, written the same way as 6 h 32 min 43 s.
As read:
4 h 19 min 06 s
